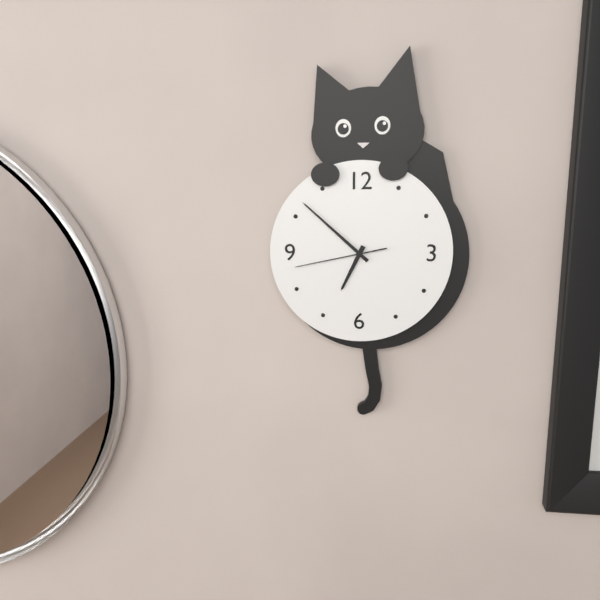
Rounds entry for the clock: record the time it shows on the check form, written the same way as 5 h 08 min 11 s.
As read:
6 h 52 min 43 s
